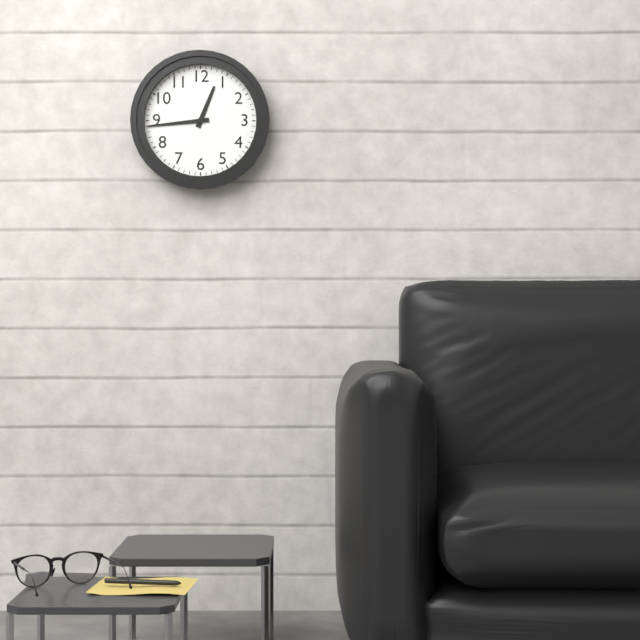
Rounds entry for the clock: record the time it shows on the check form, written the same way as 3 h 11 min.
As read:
12 h 44 min
